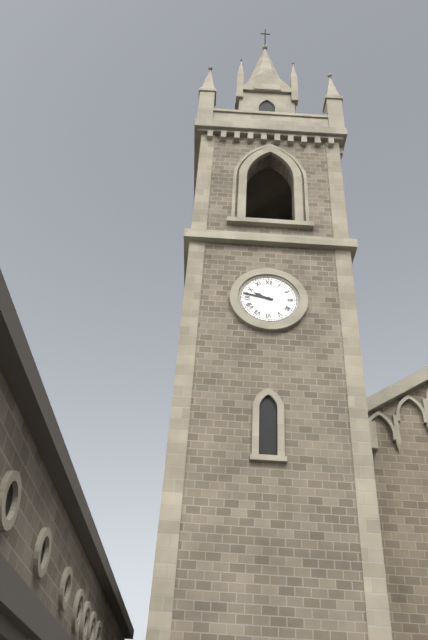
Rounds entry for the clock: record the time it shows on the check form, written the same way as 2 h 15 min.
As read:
9 h 47 min
